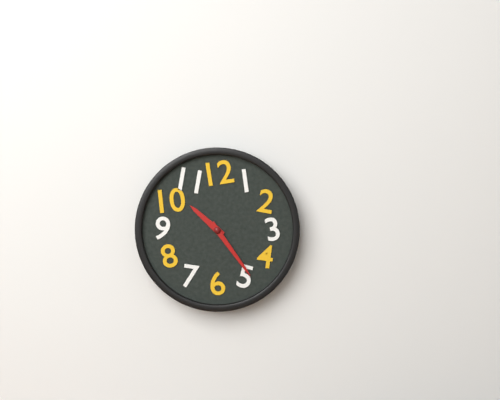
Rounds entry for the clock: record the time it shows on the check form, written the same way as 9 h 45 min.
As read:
10 h 24 min
